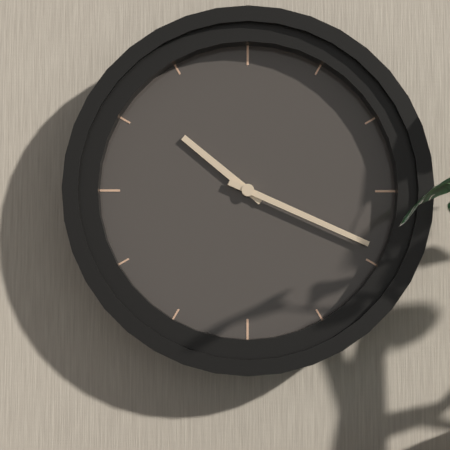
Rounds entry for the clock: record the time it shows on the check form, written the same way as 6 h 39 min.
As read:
10 h 19 min
